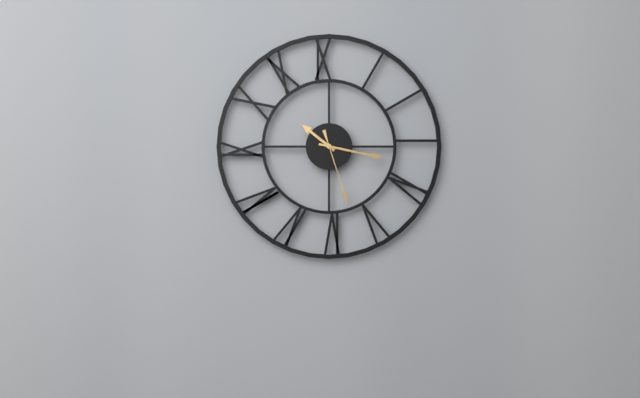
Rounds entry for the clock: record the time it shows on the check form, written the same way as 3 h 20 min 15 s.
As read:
10 h 17 min 27 s
